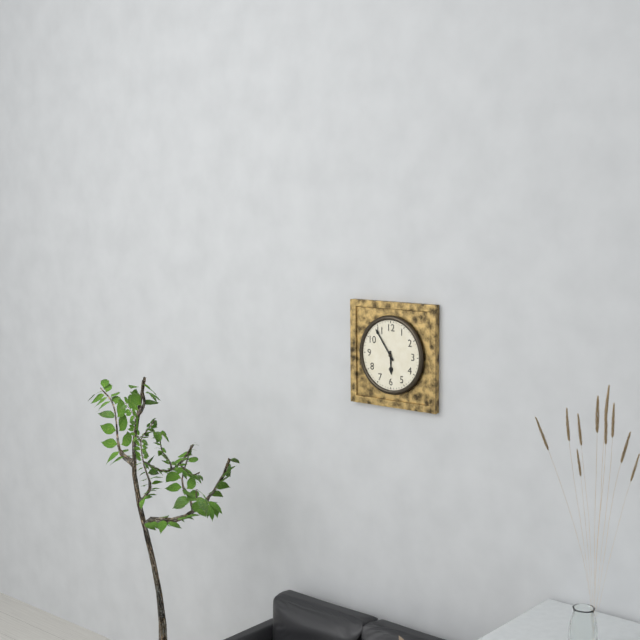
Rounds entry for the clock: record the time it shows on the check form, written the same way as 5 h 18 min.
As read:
5 h 54 min
